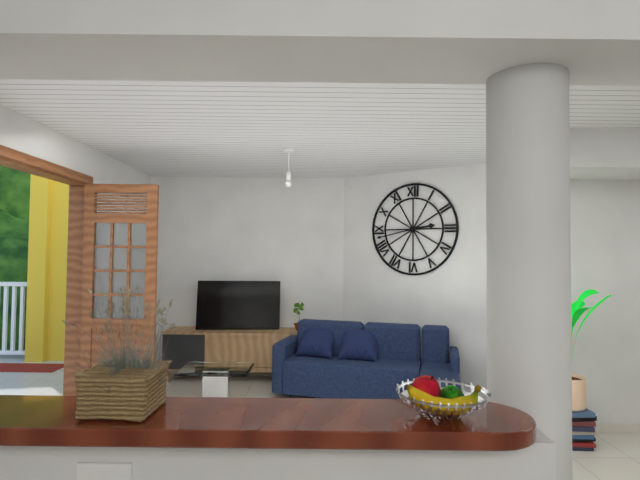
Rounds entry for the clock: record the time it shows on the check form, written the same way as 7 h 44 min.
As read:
2 h 43 min
